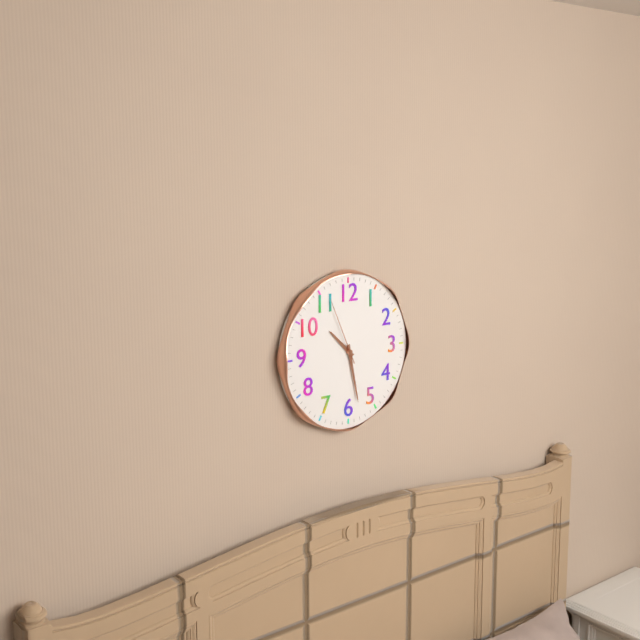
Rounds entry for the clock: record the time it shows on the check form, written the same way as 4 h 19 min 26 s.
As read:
10 h 28 min 56 s
